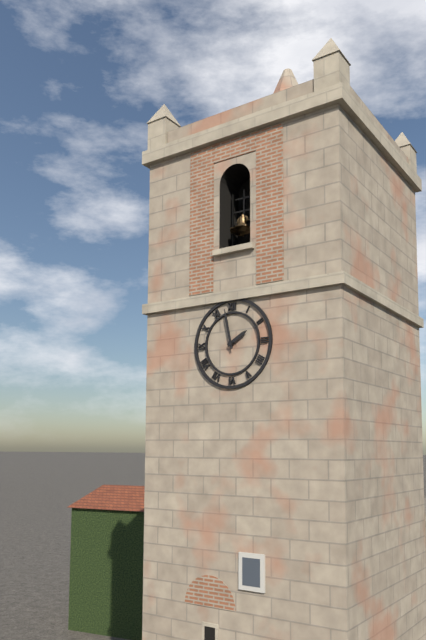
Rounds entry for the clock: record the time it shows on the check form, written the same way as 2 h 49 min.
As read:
1 h 58 min
